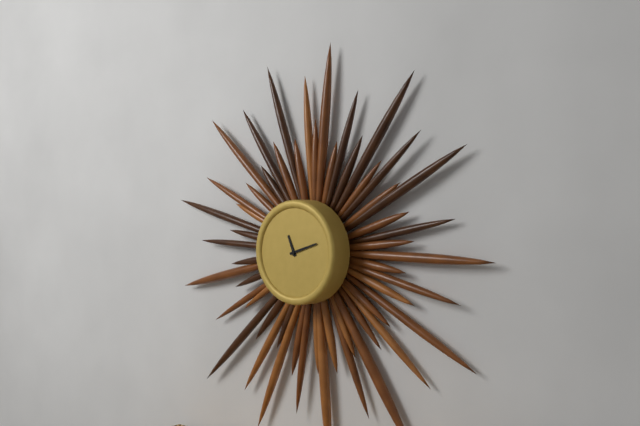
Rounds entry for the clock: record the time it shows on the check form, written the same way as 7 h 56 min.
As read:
11 h 12 min
